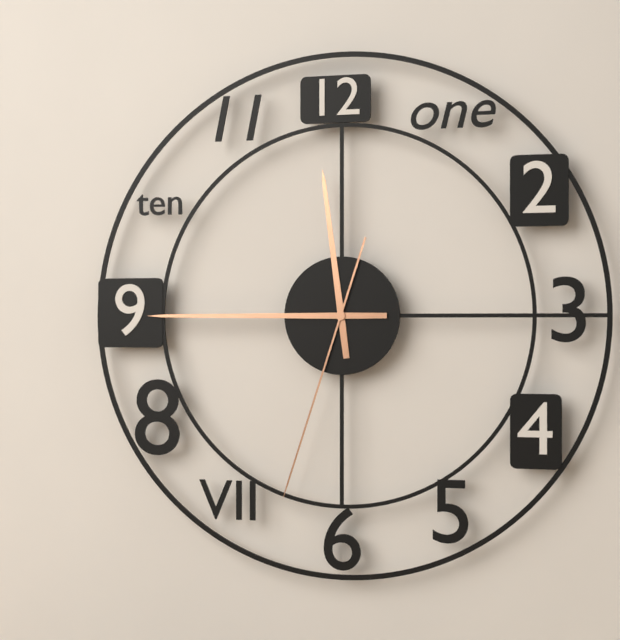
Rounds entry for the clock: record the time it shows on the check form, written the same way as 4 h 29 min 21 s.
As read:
11 h 45 min 33 s
